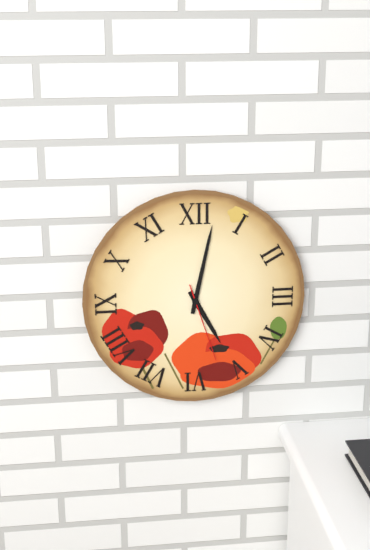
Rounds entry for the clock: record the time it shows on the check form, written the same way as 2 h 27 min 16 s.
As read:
5 h 02 min 27 s
